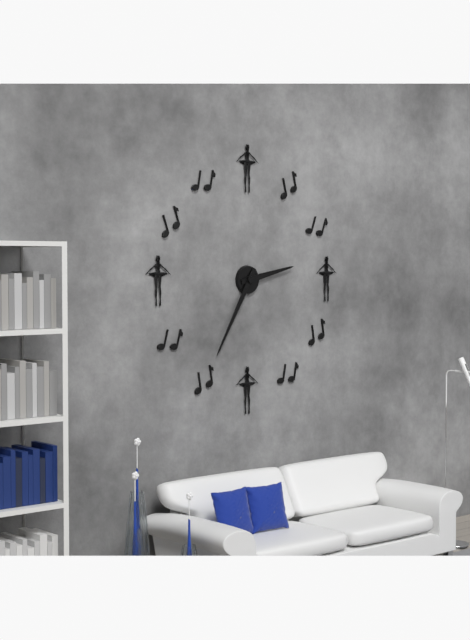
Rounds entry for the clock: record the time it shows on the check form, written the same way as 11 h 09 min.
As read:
2 h 35 min
